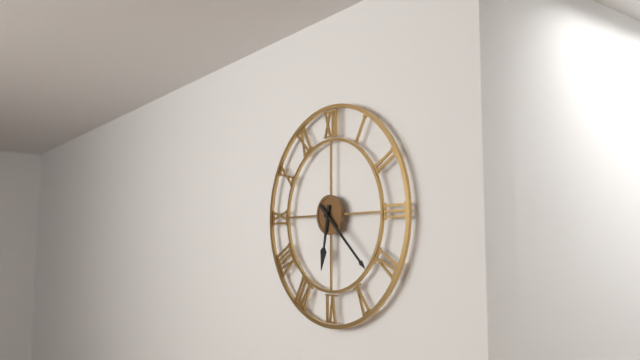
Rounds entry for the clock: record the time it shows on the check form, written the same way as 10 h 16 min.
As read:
6 h 22 min
